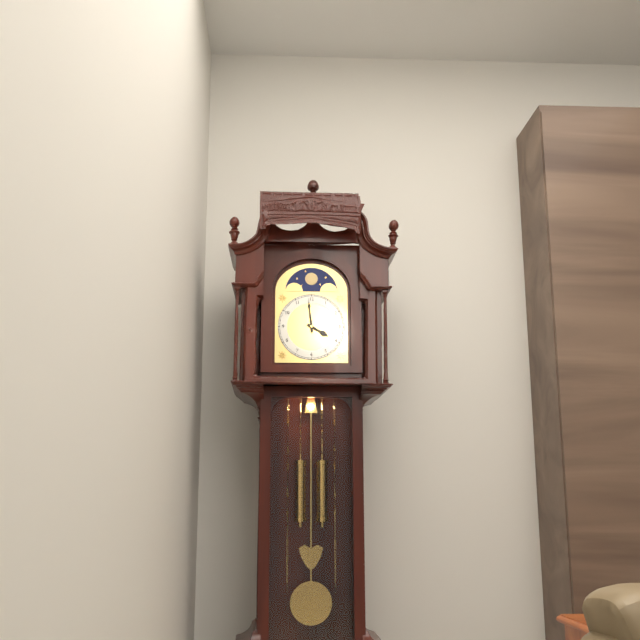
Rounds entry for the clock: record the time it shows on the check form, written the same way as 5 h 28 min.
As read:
3 h 59 min
